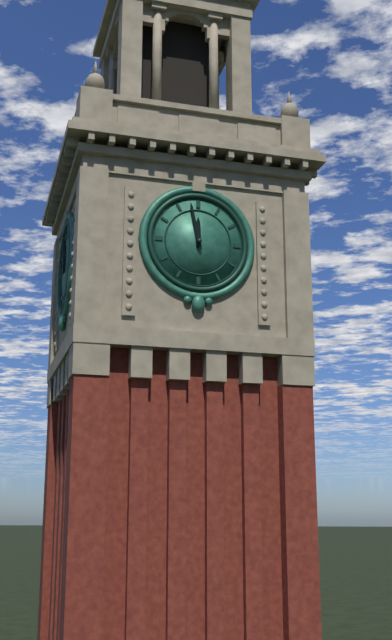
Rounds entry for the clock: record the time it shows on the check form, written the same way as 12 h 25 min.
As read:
11 h 58 min
